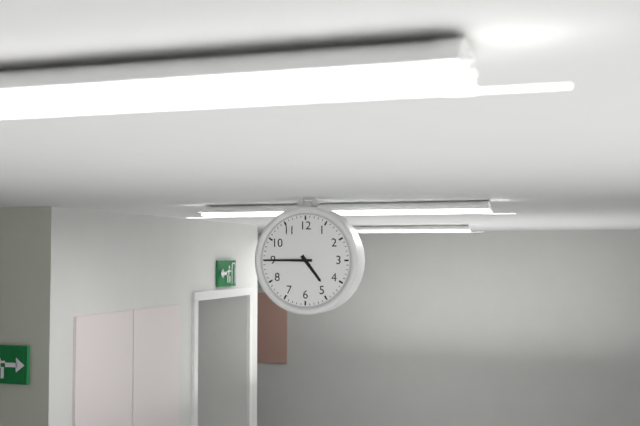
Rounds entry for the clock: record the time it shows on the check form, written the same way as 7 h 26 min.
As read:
4 h 45 min
